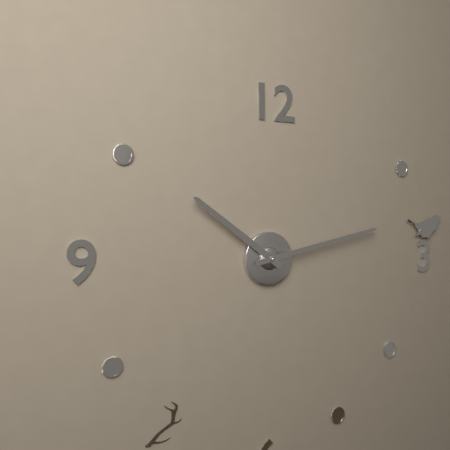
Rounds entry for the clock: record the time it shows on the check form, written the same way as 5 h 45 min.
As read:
10 h 13 min
